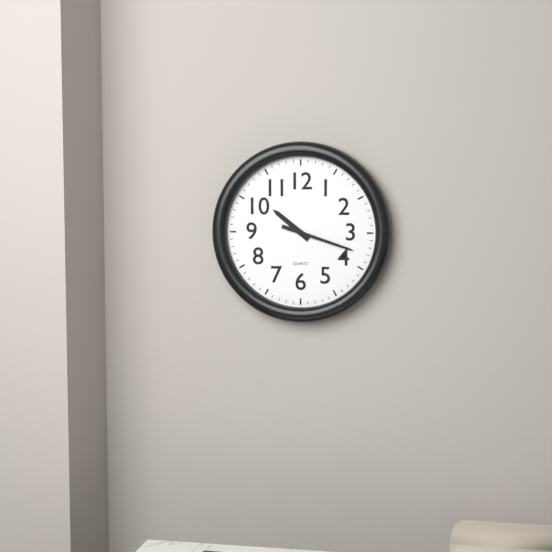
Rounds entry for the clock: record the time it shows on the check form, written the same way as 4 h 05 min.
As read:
10 h 18 min
